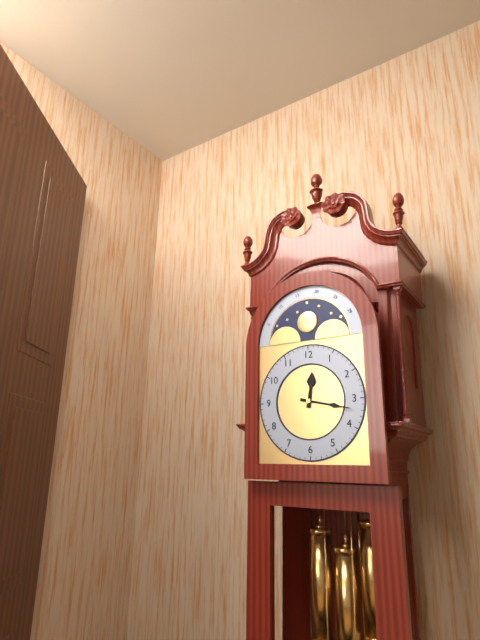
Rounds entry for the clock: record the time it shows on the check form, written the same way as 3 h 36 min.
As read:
12 h 17 min
